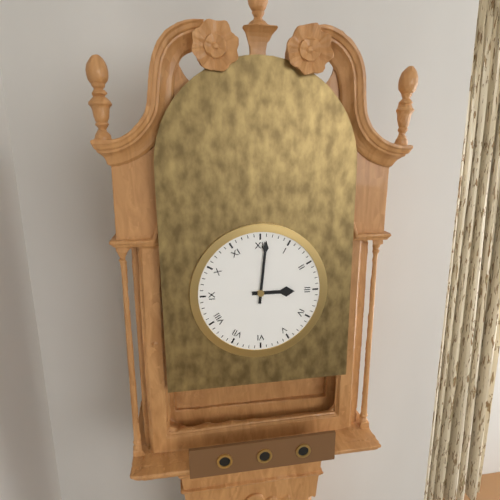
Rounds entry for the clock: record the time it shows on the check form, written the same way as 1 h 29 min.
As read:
3 h 01 min
